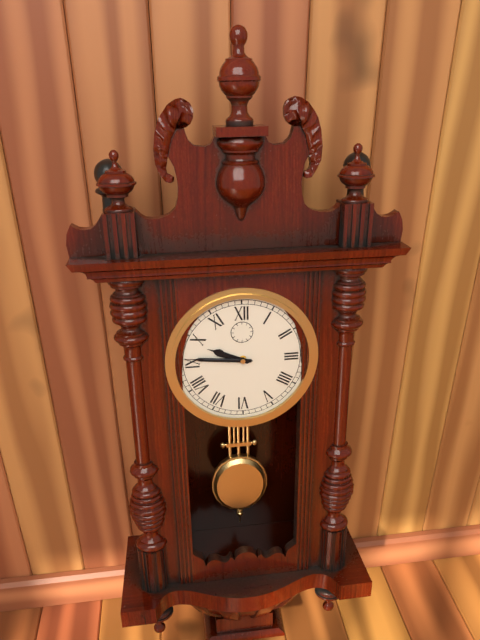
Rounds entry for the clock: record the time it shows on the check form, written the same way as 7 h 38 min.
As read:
9 h 46 min
